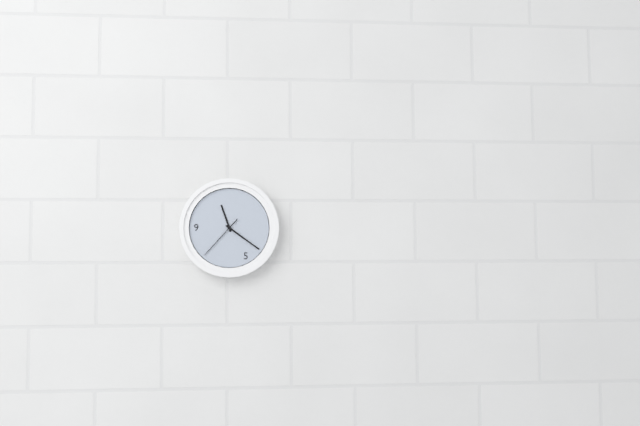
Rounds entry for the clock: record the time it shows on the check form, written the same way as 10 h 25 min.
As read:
11 h 21 min
